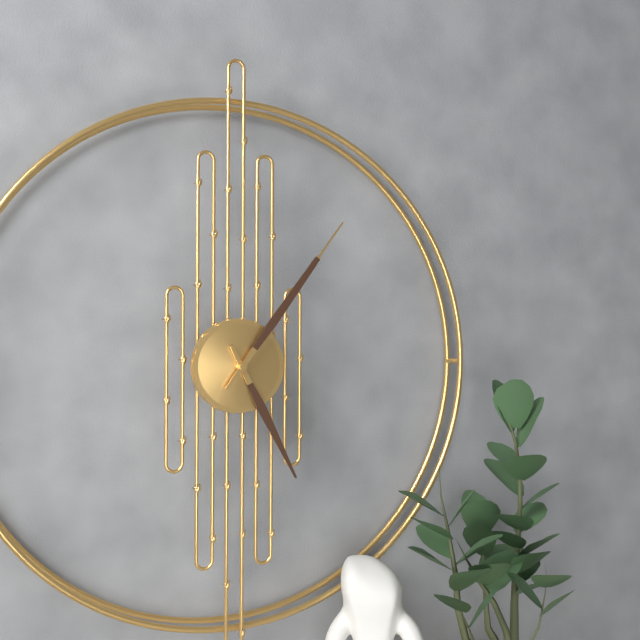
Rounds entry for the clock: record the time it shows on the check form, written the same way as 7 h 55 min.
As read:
5 h 06 min
